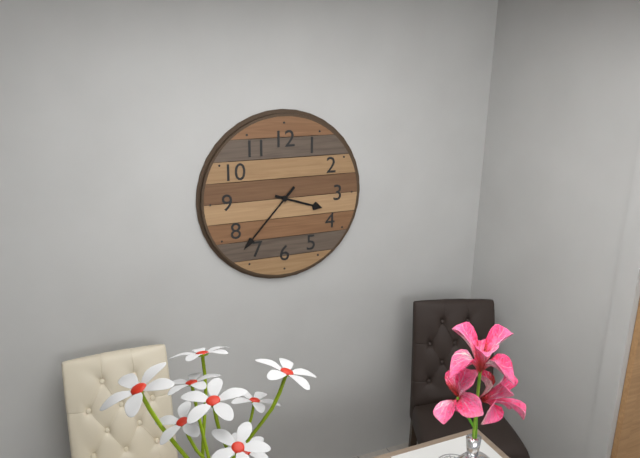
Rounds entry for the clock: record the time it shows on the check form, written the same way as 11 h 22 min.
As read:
3 h 37 min
